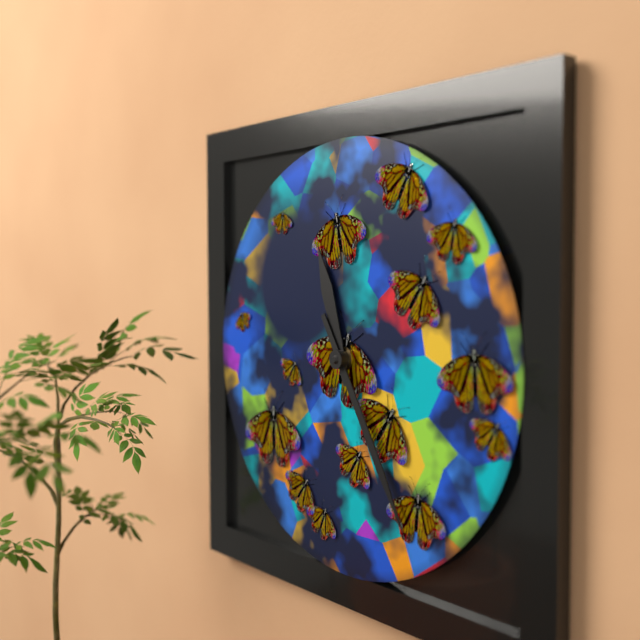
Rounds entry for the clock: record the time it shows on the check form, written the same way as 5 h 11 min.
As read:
11 h 25 min
